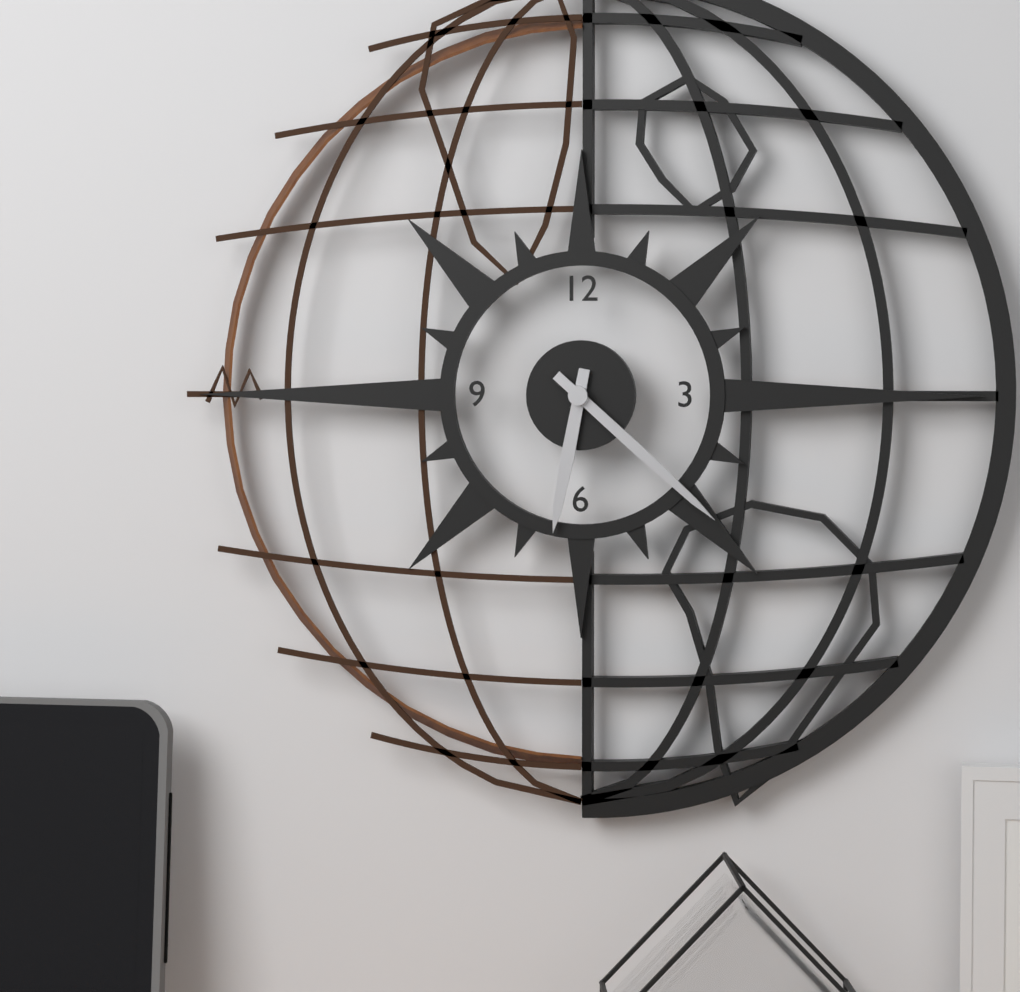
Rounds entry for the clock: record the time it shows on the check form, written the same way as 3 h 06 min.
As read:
6 h 22 min
